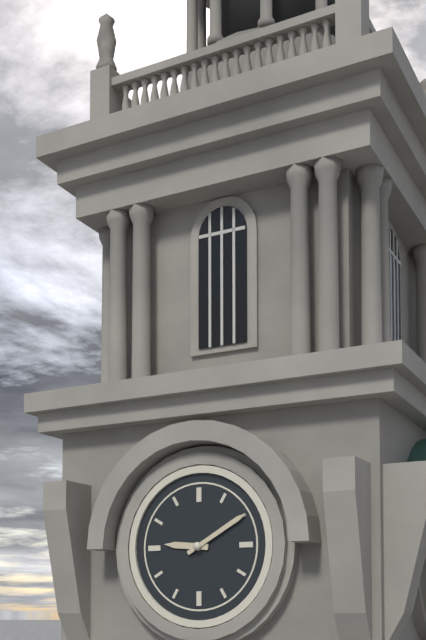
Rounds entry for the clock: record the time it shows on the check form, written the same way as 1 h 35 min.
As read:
9 h 10 min
